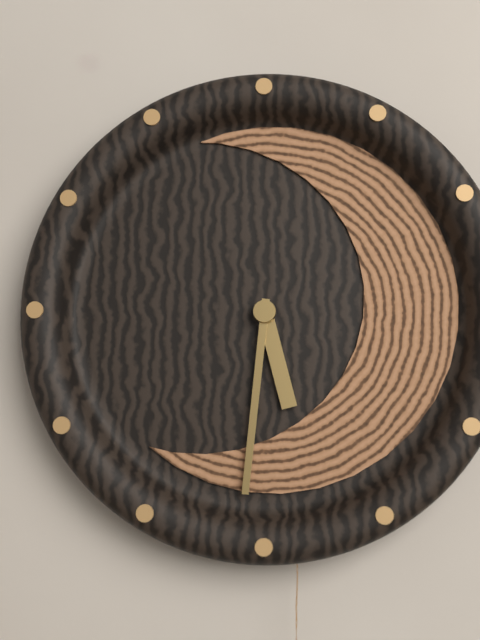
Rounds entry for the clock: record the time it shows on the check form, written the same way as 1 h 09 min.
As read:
5 h 31 min
